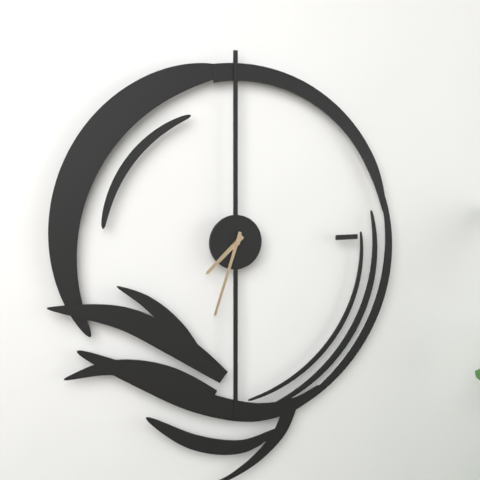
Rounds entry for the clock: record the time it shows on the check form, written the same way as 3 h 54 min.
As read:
7 h 33 min
